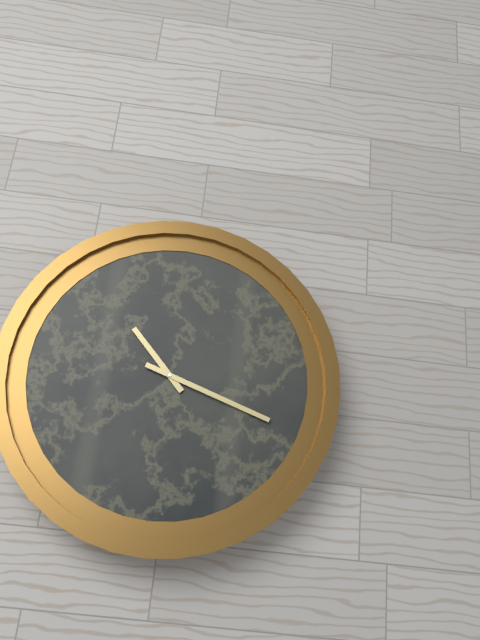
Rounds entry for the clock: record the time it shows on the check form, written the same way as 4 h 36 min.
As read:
1 h 33 min
